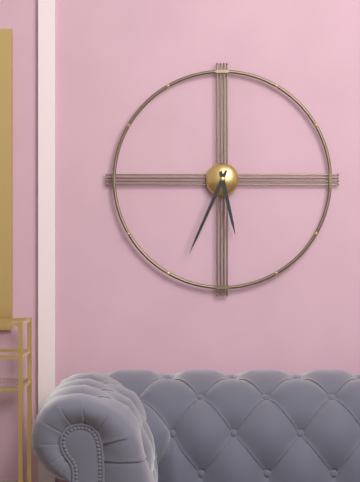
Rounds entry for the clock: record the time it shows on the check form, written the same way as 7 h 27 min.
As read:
5 h 34 min
